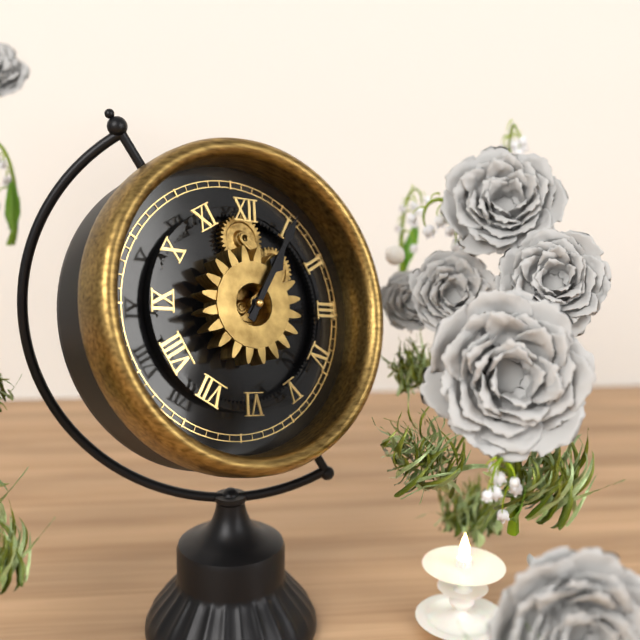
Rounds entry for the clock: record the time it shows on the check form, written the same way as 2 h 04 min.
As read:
1 h 05 min
